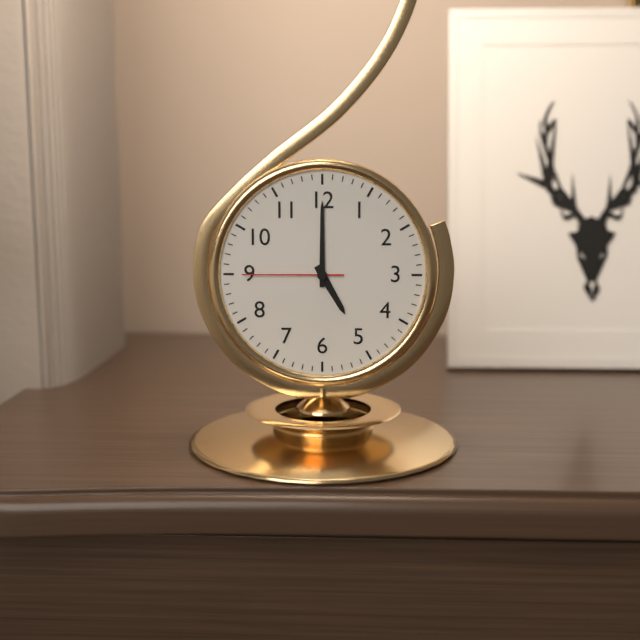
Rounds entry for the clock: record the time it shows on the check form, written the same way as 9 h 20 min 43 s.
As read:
5 h 00 min 45 s
